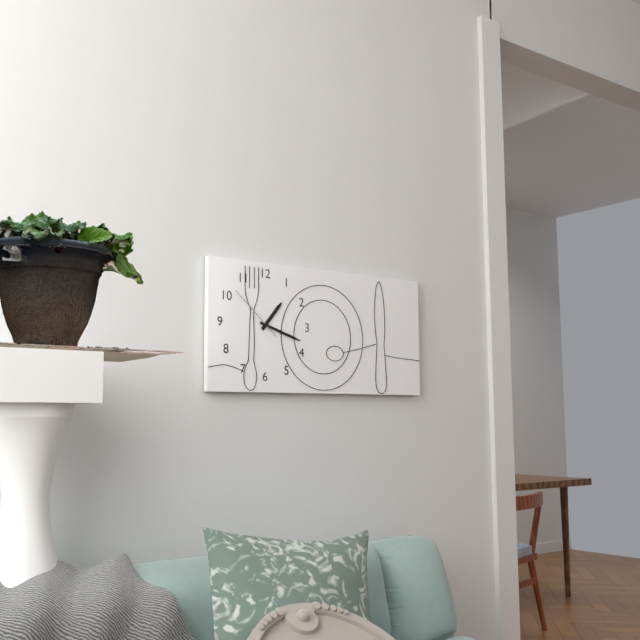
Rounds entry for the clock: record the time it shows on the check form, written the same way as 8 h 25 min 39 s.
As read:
1 h 18 min 52 s
